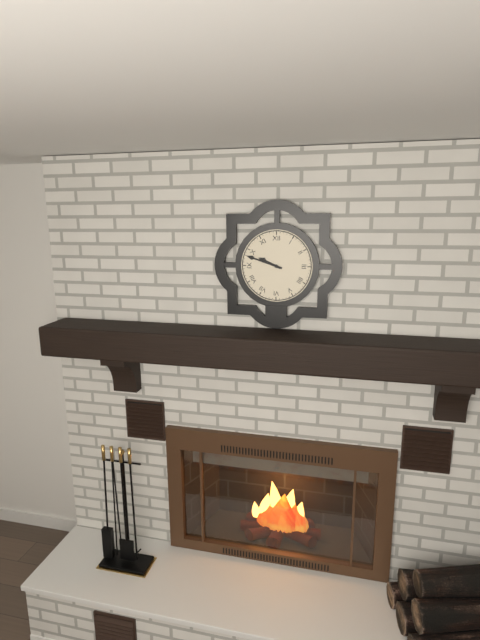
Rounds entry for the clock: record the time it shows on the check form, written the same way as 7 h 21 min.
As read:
9 h 48 min
